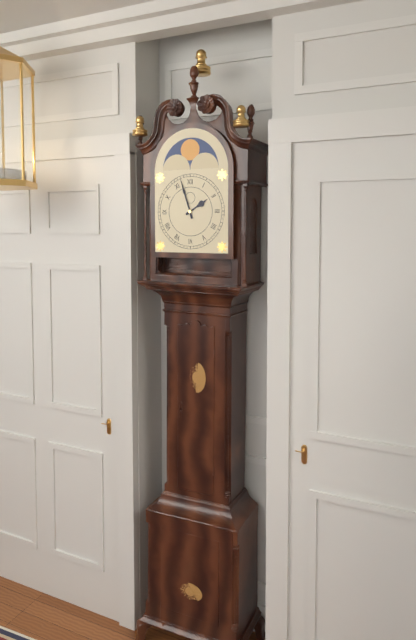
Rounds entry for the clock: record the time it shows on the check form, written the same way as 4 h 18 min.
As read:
1 h 57 min
